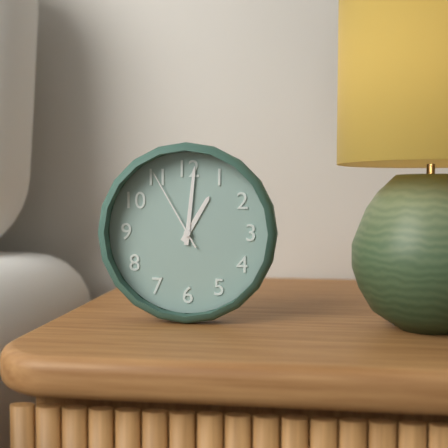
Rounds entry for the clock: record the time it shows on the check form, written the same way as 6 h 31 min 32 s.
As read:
1 h 01 min 55 s
